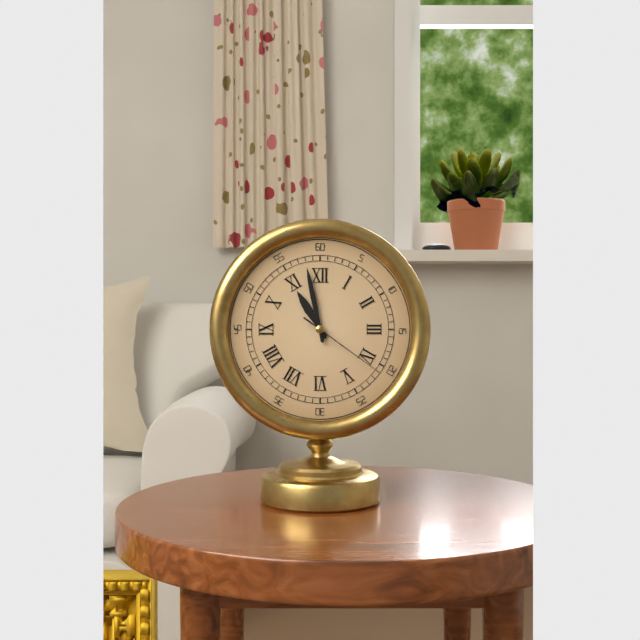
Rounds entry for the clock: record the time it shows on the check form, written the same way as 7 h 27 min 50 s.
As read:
10 h 58 min 21 s
